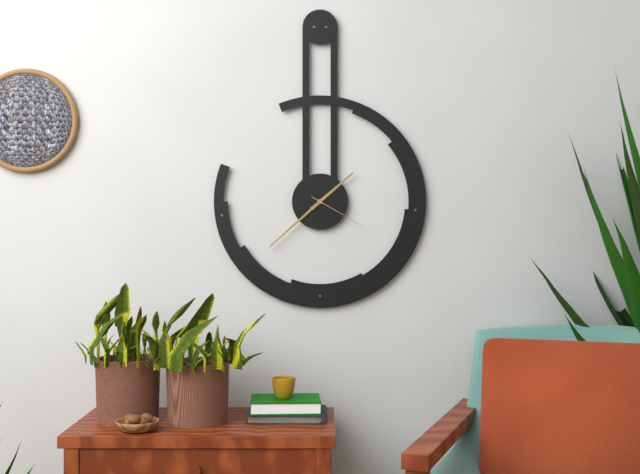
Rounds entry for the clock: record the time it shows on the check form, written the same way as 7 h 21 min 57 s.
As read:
1 h 38 min 20 s
